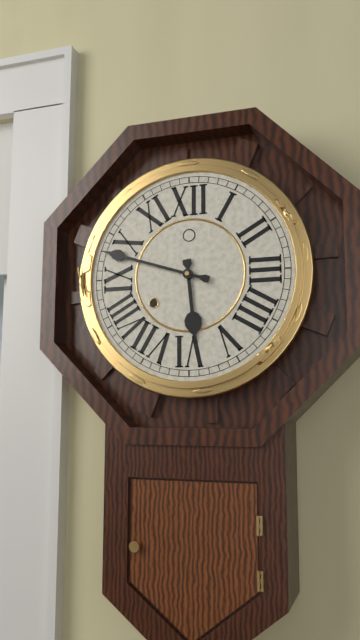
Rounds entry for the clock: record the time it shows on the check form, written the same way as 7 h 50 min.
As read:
5 h 48 min
